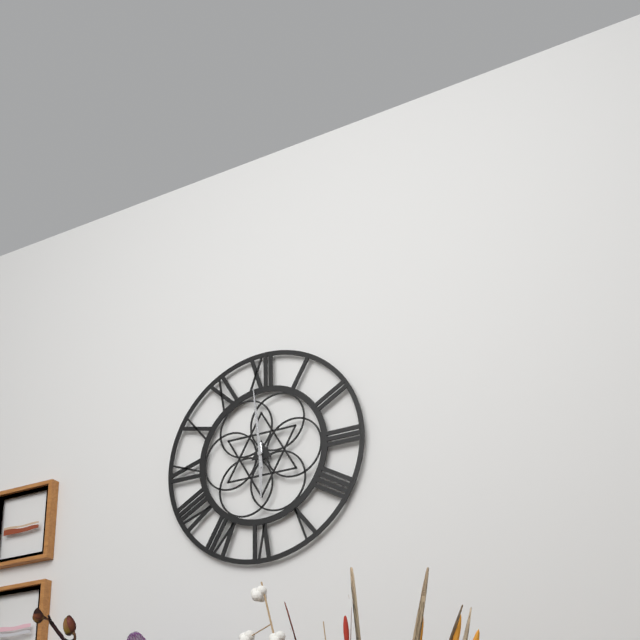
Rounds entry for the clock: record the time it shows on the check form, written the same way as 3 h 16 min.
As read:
5 h 59 min
